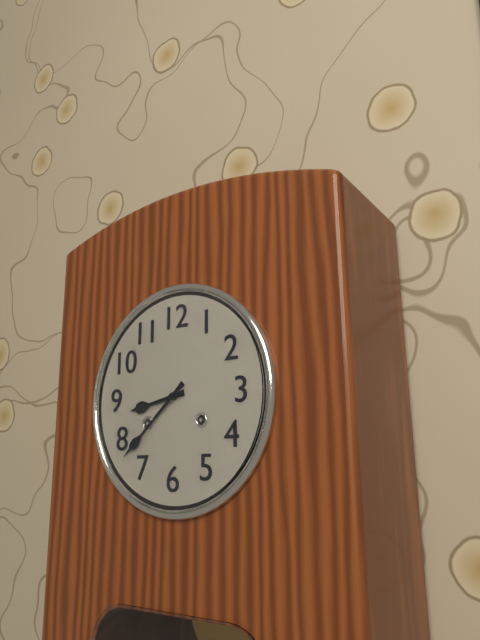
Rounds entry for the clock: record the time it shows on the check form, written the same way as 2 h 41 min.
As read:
8 h 38 min
